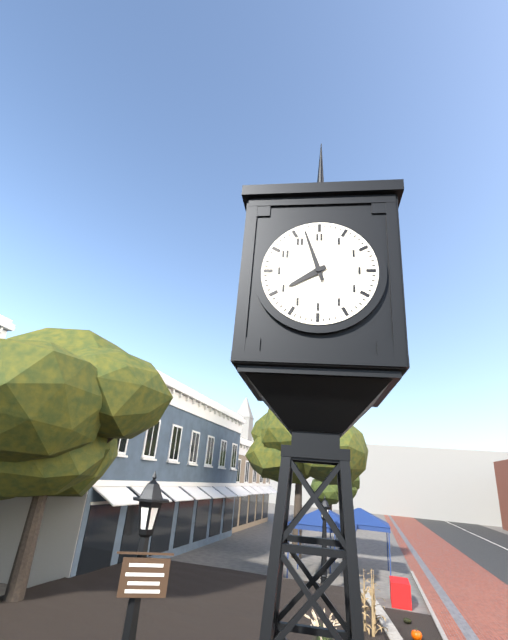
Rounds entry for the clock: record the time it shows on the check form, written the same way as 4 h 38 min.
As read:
7 h 57 min
